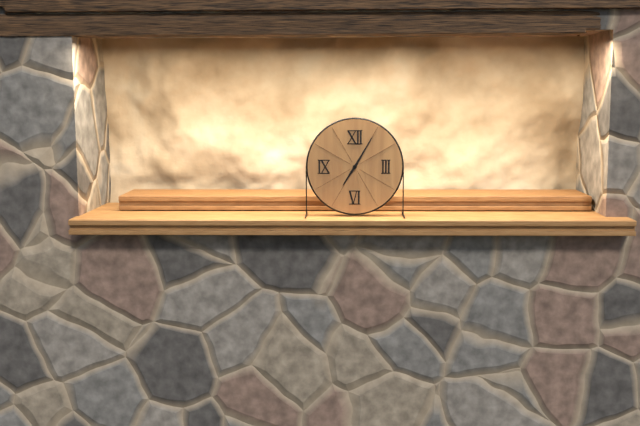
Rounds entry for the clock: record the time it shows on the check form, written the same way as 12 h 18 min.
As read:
7 h 05 min
